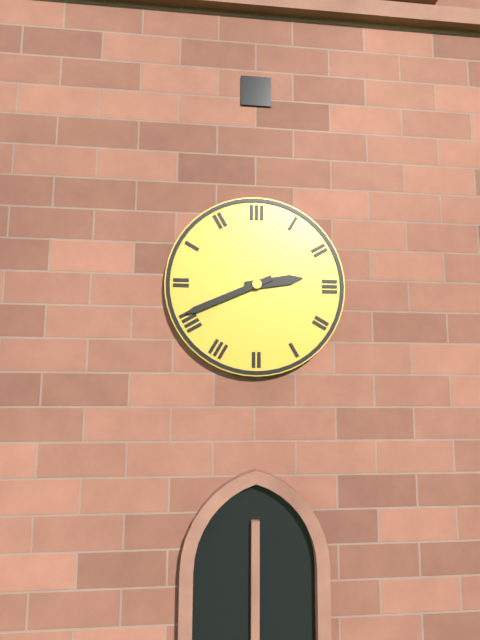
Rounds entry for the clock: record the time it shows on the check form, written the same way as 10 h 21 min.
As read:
2 h 41 min
